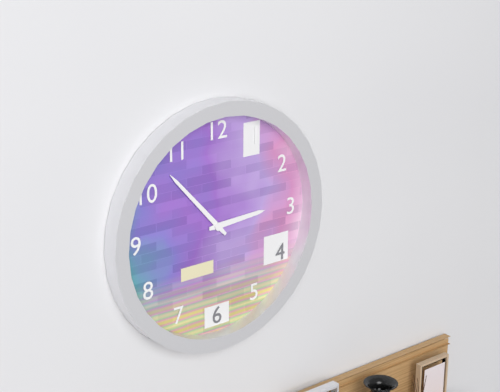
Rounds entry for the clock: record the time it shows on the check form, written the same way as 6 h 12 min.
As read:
2 h 53 min
